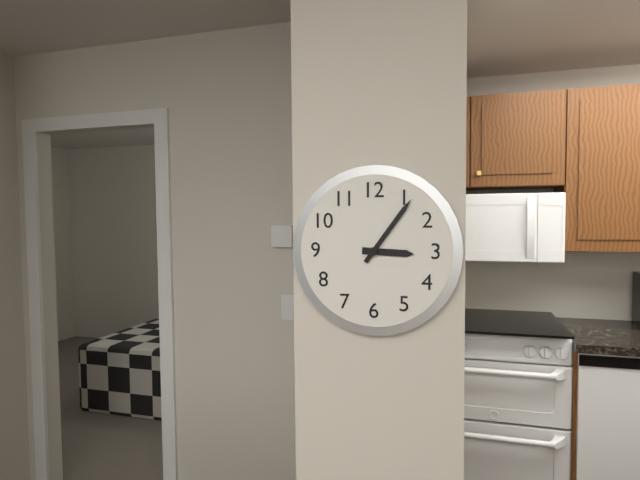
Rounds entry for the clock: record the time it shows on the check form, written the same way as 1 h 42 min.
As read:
3 h 06 min
